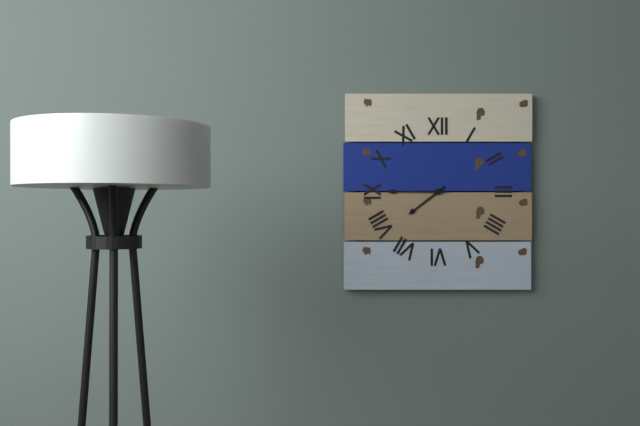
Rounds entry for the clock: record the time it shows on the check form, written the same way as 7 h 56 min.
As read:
7 h 45 min
